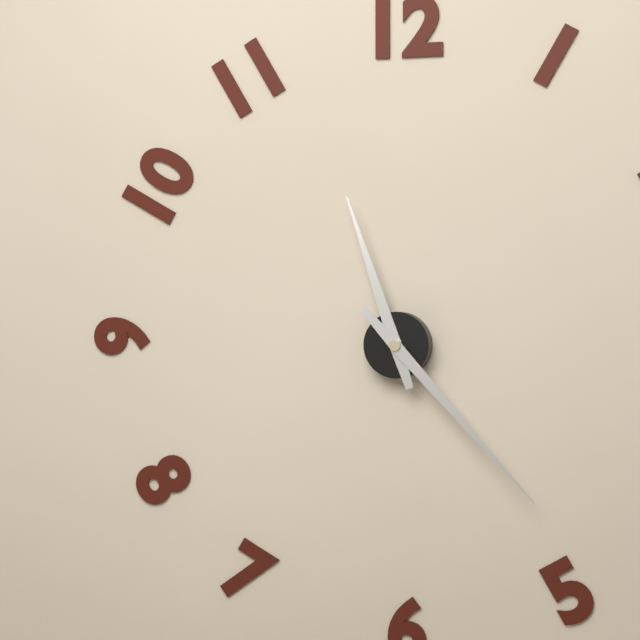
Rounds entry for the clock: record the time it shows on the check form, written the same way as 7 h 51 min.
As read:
11 h 23 min
